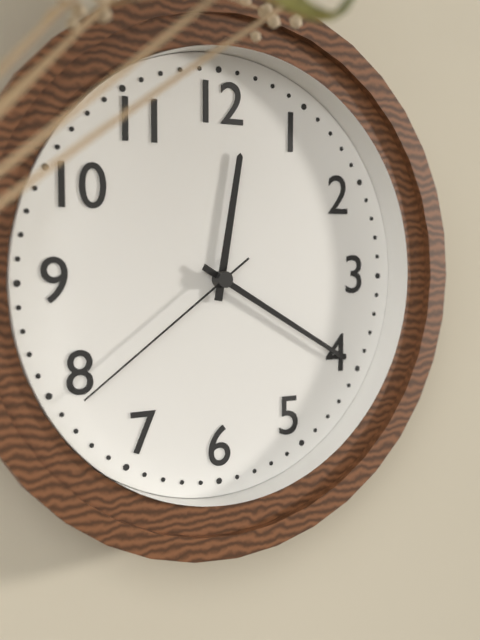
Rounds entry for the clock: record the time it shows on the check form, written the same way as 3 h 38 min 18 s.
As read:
12 h 20 min 39 s
